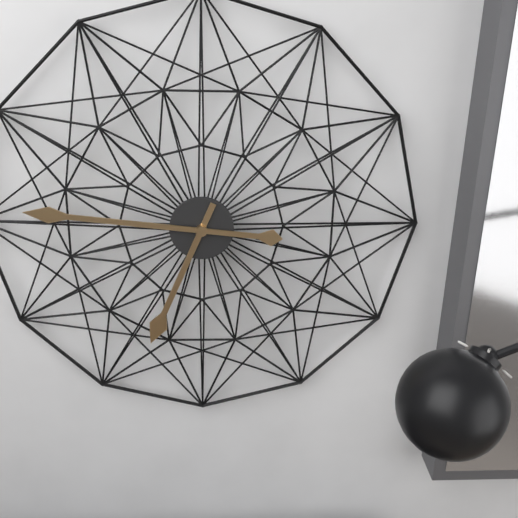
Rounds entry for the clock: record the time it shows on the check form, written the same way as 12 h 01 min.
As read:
6 h 46 min
